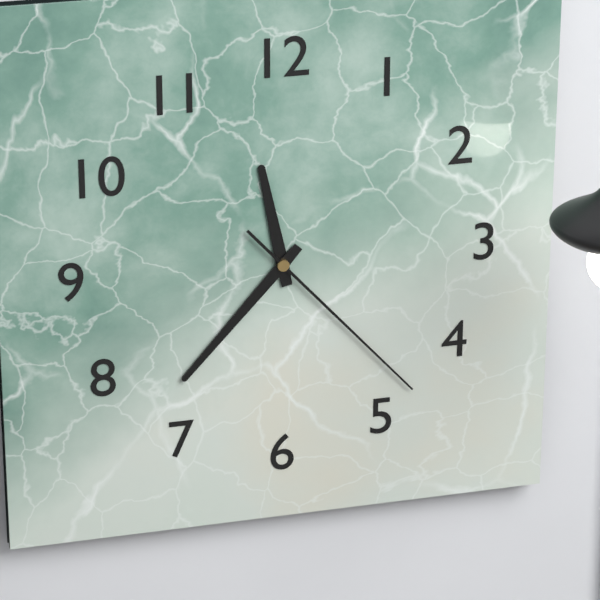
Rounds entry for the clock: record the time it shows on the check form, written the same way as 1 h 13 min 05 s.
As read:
11 h 37 min 23 s
